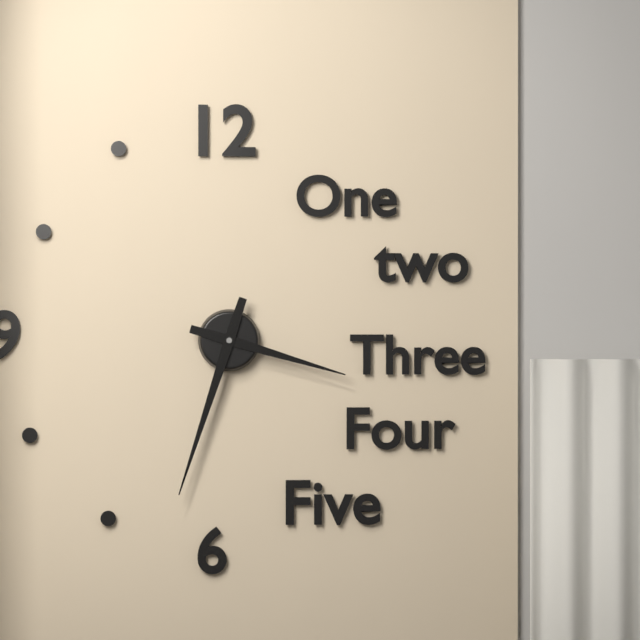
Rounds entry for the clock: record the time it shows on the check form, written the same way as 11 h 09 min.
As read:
3 h 33 min
